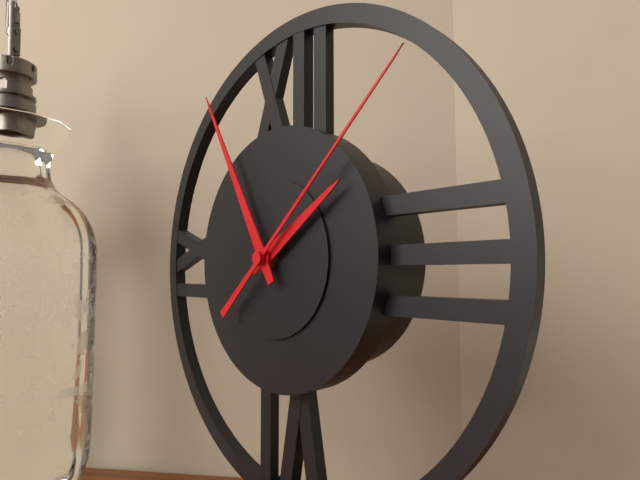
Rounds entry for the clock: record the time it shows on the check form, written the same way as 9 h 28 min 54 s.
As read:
1 h 55 min 08 s
